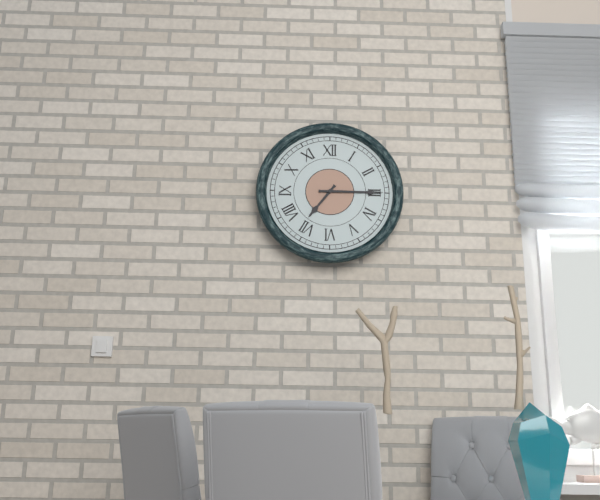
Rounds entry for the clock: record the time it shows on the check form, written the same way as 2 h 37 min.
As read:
7 h 15 min
